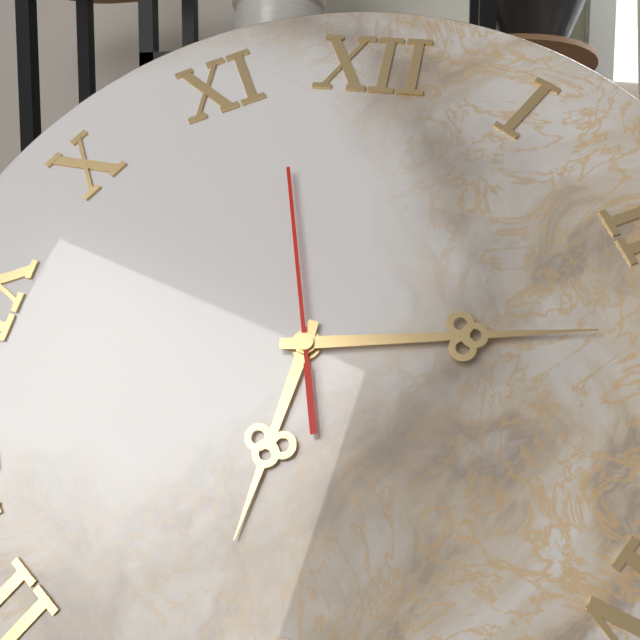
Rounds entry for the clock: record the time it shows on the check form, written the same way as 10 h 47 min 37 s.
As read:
6 h 13 min 57 s
